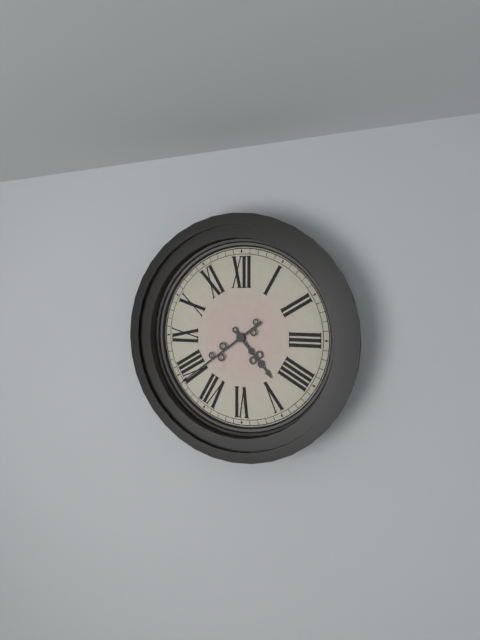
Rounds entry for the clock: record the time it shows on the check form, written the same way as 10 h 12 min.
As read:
4 h 39 min
